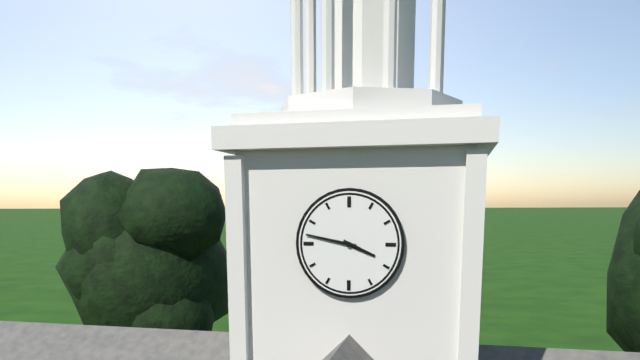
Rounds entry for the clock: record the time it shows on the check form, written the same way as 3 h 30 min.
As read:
3 h 47 min
